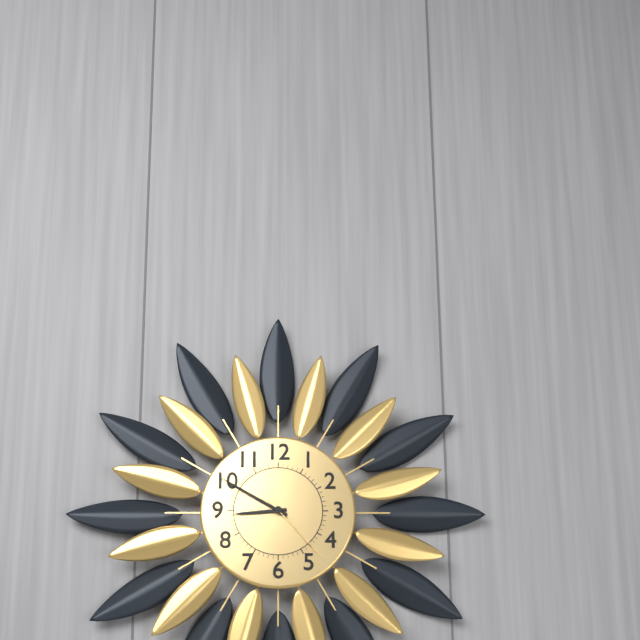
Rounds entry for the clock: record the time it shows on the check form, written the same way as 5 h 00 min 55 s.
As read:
8 h 50 min 23 s
